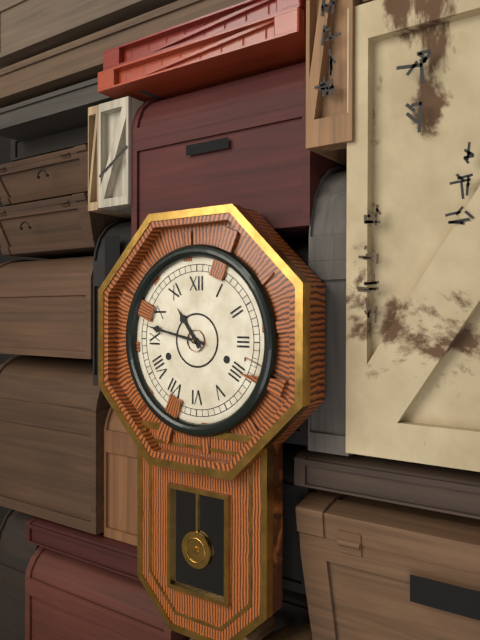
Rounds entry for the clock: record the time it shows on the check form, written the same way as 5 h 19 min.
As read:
10 h 47 min
